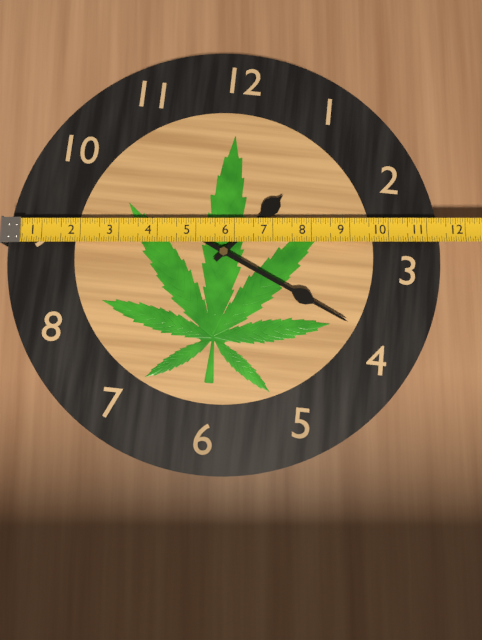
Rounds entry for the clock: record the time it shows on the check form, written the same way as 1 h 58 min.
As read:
1 h 19 min
